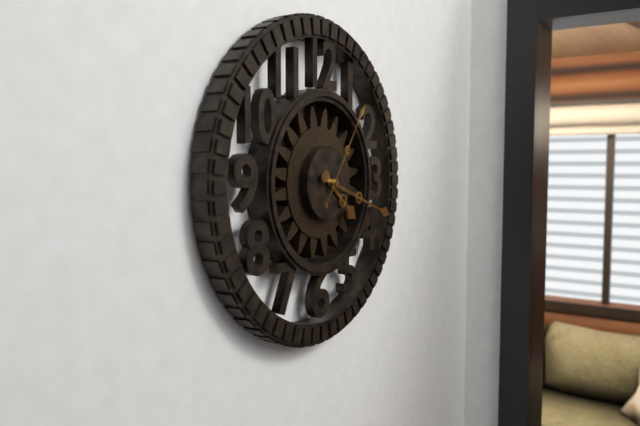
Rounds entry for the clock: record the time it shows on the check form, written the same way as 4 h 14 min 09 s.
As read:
4 h 18 min 06 s
